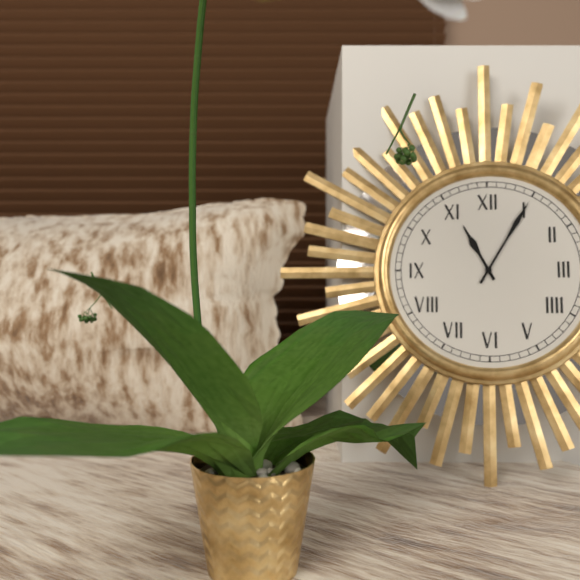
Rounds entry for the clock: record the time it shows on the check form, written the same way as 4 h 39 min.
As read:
11 h 05 min
